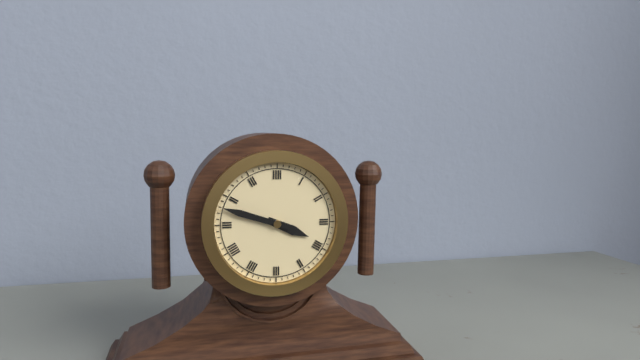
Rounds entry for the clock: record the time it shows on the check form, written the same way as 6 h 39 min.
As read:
3 h 48 min
